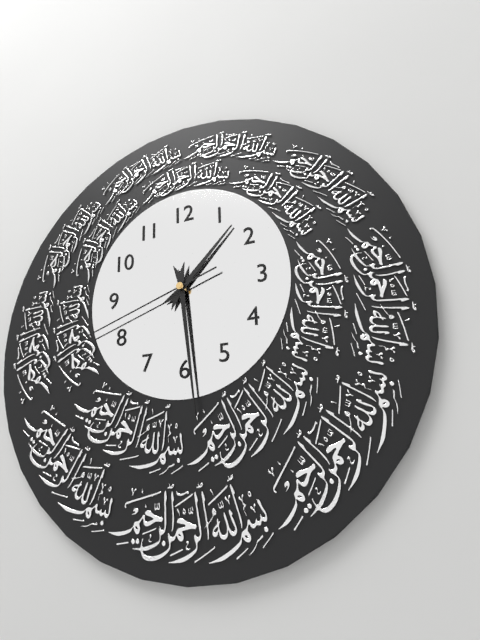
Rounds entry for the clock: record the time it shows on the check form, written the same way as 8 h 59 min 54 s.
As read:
1 h 29 min 42 s
